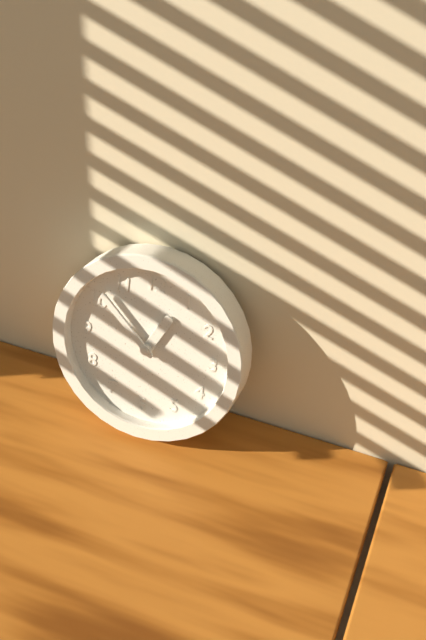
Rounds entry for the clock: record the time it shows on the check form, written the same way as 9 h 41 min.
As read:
12 h 52 min
